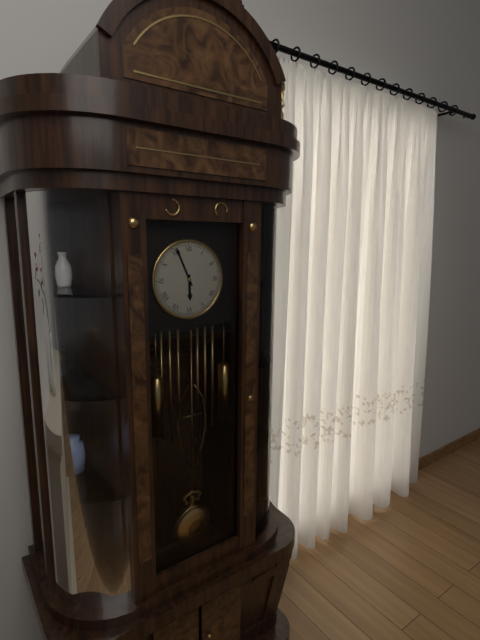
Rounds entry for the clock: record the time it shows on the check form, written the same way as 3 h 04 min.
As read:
5 h 56 min
